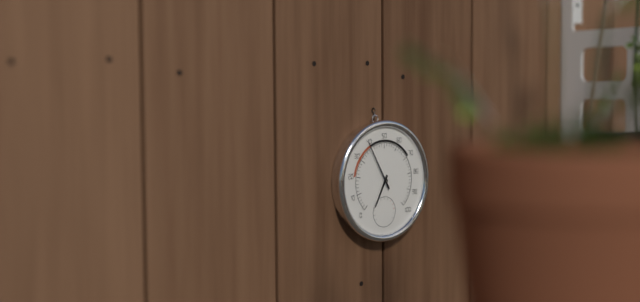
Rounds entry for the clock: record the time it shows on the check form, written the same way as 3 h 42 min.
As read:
6 h 55 min
